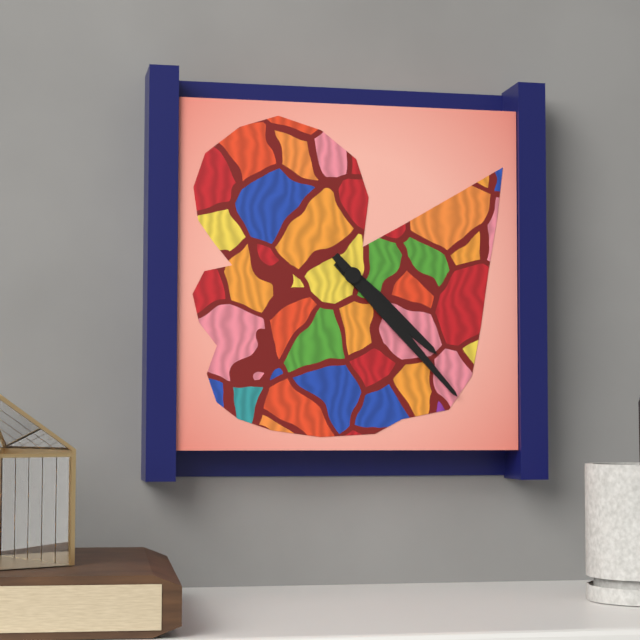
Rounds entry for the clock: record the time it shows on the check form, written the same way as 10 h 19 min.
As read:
4 h 23 min
